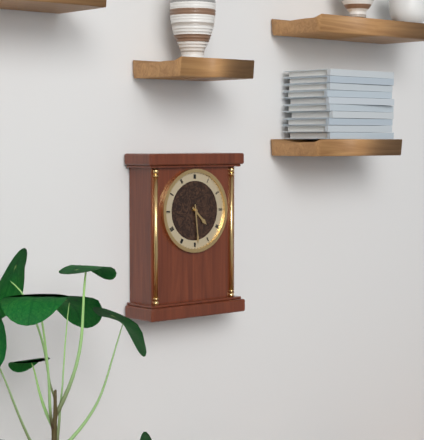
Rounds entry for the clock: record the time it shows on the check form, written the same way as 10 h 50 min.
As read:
4 h 29 min
